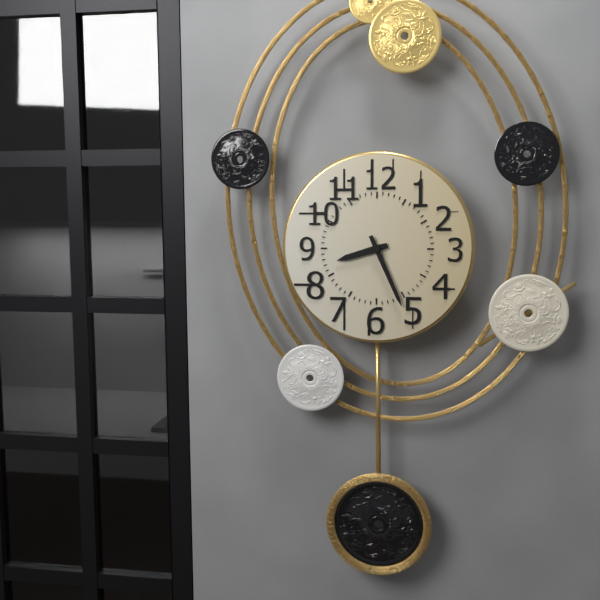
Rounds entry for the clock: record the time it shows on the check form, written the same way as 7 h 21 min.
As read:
8 h 26 min
